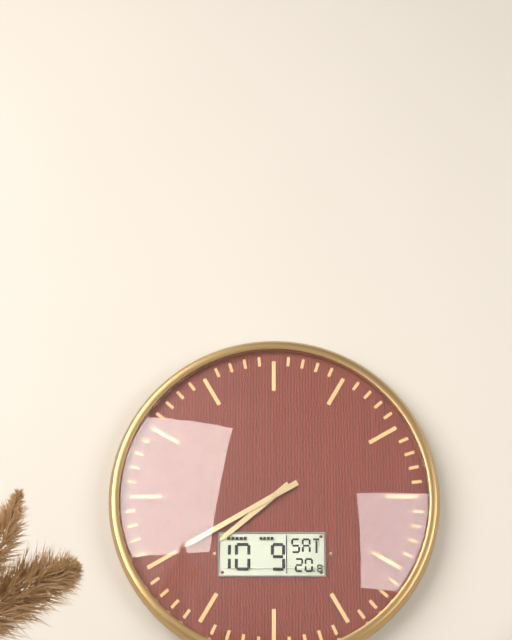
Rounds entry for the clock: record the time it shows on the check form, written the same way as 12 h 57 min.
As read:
7 h 40 min
